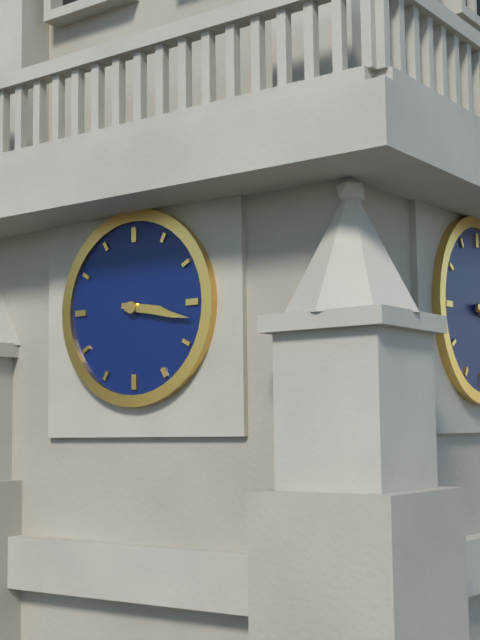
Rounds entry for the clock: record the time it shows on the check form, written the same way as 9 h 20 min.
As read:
3 h 17 min
